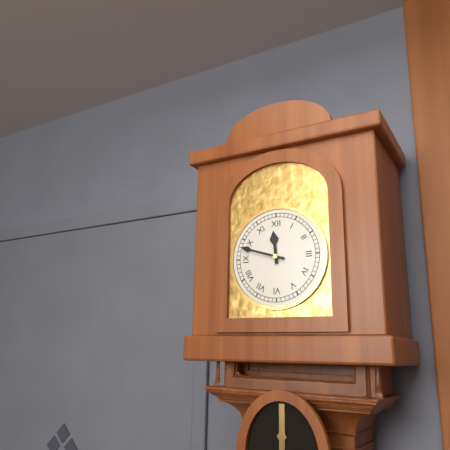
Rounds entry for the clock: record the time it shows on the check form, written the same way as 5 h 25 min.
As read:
11 h 48 min
